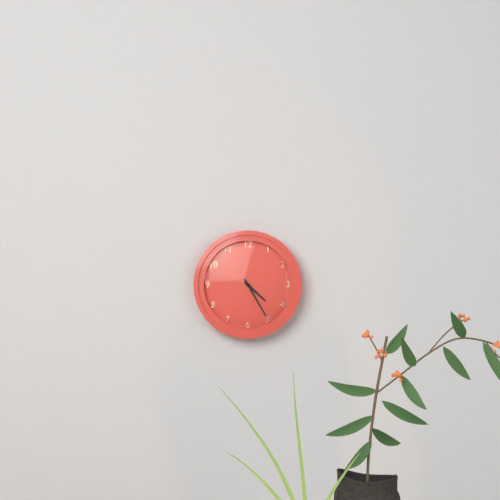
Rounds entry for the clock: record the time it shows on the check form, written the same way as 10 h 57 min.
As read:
4 h 25 min
